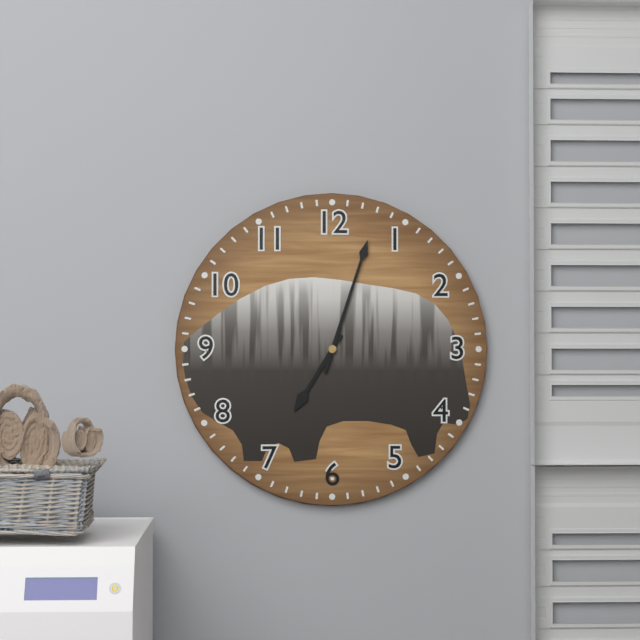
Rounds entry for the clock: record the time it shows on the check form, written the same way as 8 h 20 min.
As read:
7 h 03 min
